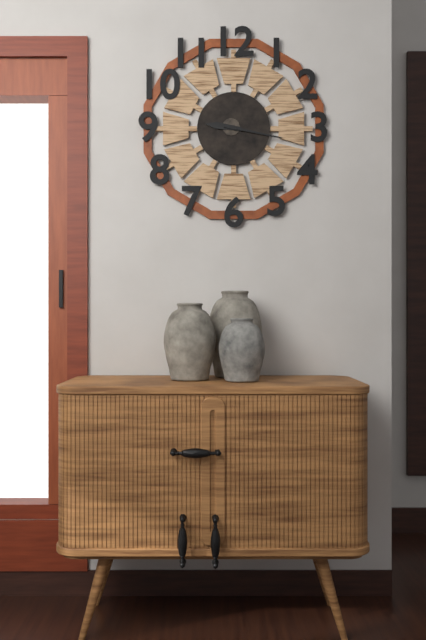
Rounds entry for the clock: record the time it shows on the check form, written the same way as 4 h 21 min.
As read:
9 h 17 min
